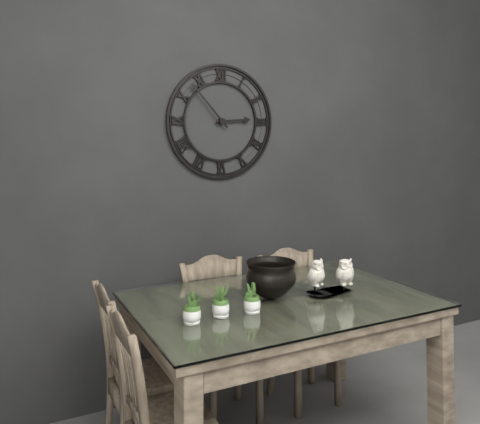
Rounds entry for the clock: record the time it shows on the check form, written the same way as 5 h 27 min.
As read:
2 h 53 min
